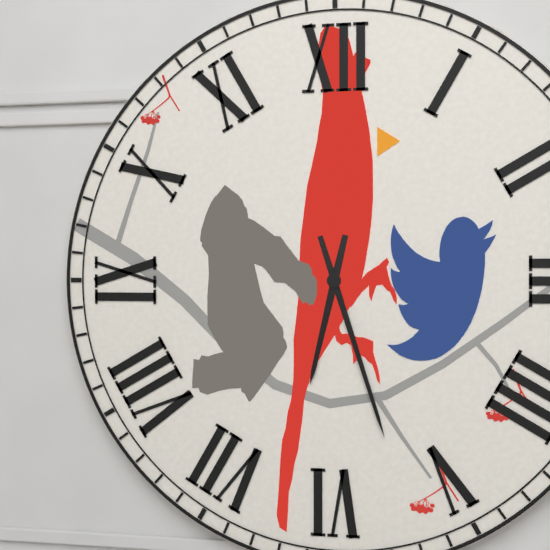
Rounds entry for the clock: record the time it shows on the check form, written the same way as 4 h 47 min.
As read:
6 h 27 min
